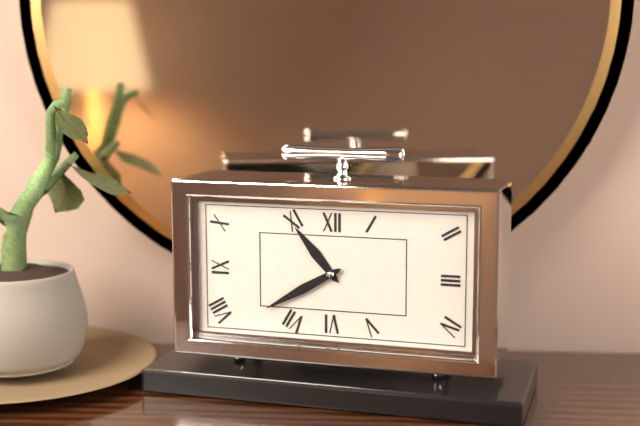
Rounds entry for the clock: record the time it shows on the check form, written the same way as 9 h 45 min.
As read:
10 h 40 min
